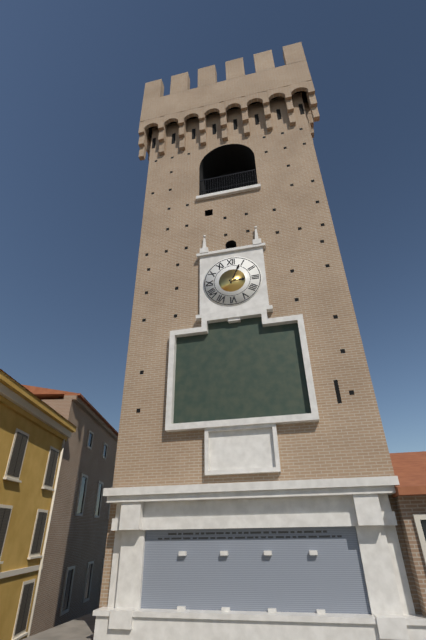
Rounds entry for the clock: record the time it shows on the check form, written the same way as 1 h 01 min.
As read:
3 h 04 min
